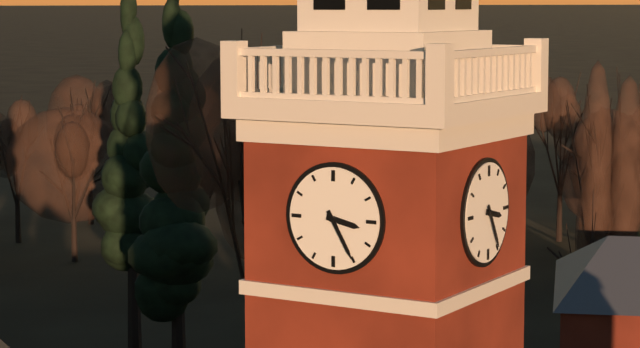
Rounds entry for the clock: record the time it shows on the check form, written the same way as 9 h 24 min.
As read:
3 h 25 min
